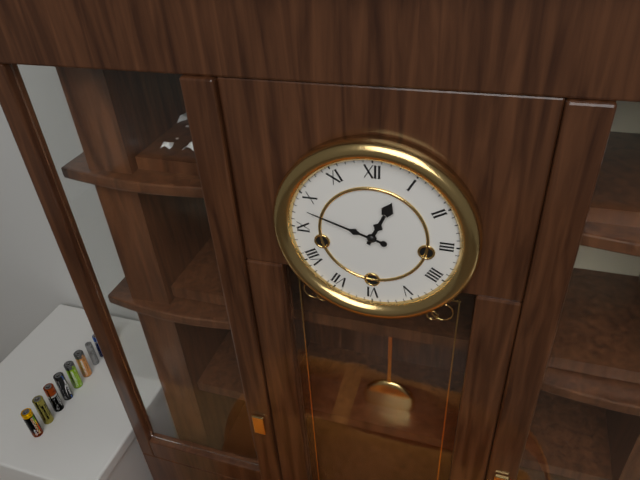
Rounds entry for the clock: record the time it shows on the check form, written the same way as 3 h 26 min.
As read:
12 h 48 min
